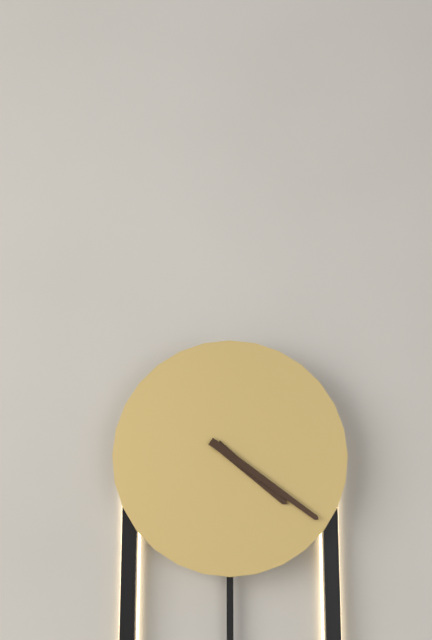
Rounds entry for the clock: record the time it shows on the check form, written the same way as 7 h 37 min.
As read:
4 h 21 min
